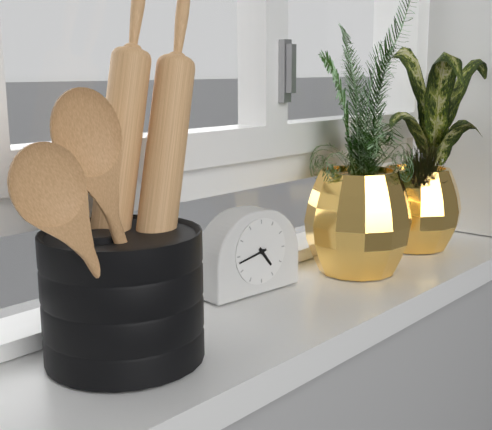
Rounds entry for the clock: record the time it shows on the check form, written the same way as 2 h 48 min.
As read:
4 h 43 min
